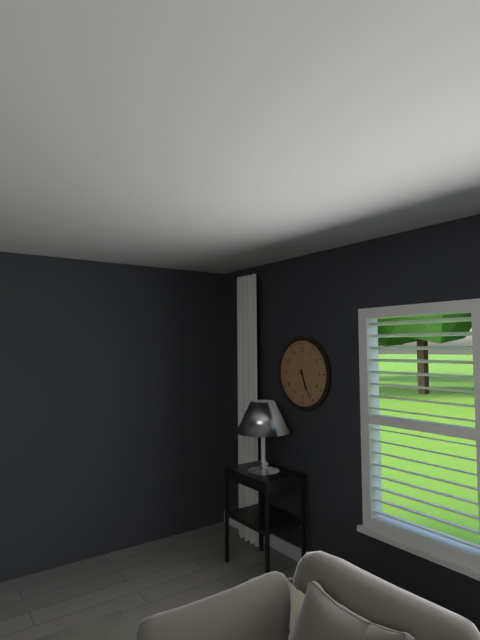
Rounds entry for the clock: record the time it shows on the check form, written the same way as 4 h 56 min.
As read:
5 h 26 min
